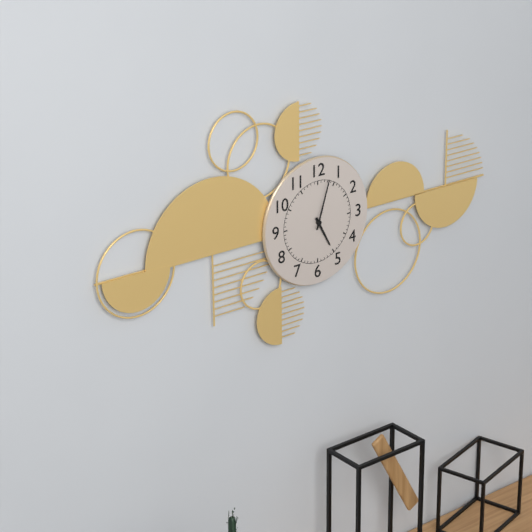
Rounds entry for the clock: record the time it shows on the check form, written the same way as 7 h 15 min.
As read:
5 h 03 min
